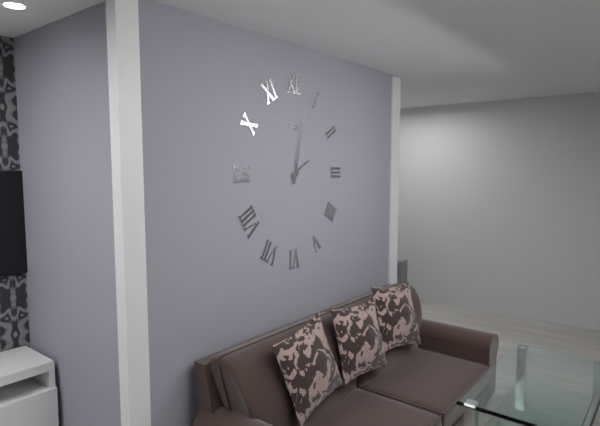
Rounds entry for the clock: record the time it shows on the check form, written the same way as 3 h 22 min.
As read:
2 h 02 min
